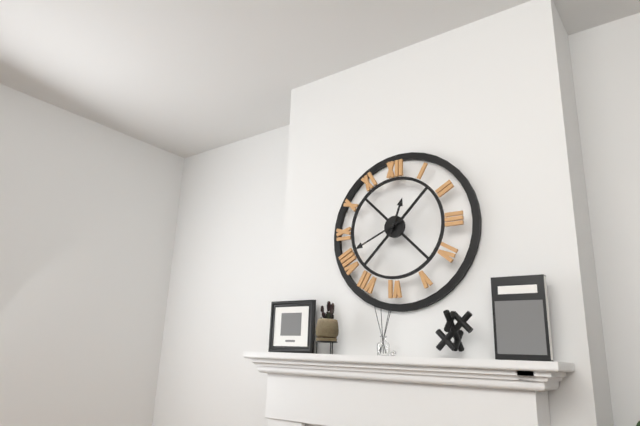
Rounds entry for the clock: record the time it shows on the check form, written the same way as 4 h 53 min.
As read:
12 h 41 min
